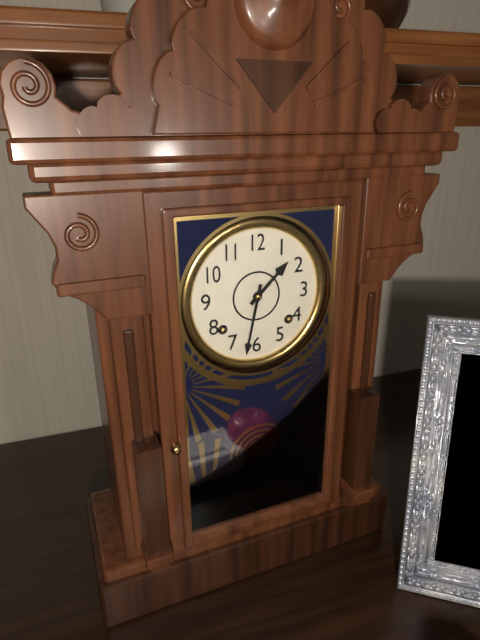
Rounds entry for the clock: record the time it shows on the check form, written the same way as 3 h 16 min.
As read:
1 h 32 min
